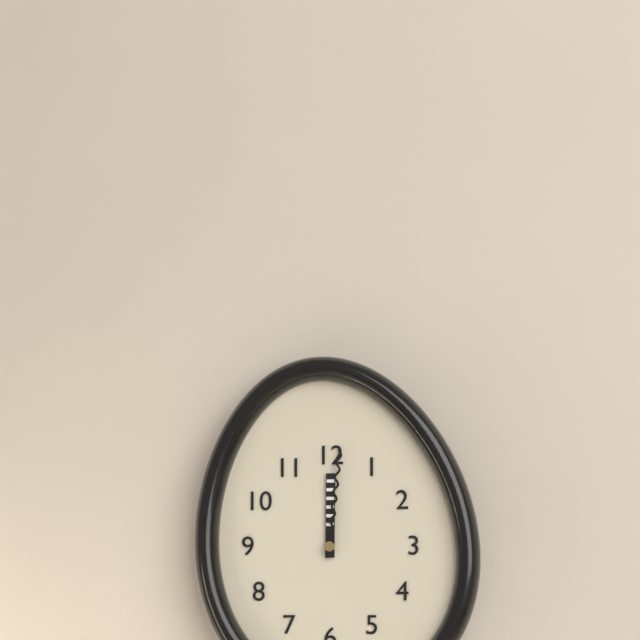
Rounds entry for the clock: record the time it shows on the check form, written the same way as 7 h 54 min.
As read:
12 h 01 min
